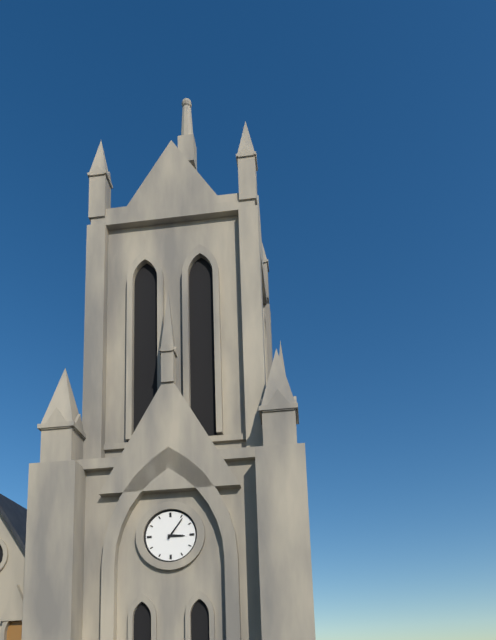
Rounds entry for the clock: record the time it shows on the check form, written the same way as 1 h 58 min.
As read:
3 h 06 min
